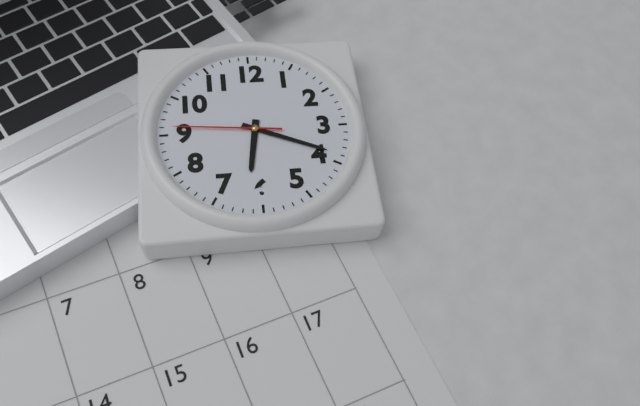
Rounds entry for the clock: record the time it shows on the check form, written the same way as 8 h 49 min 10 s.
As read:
6 h 19 min 46 s
